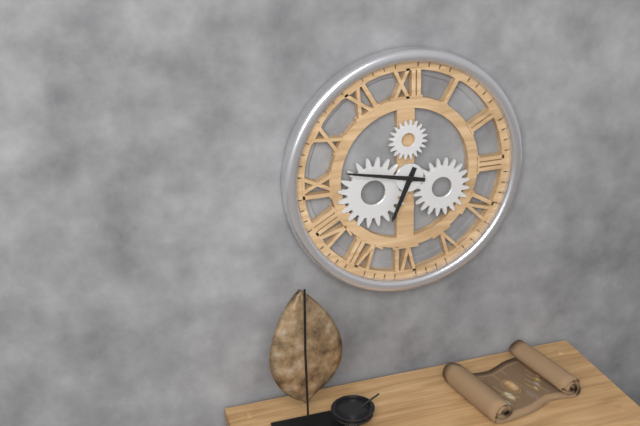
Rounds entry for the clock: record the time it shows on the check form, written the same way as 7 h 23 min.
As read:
6 h 47 min
